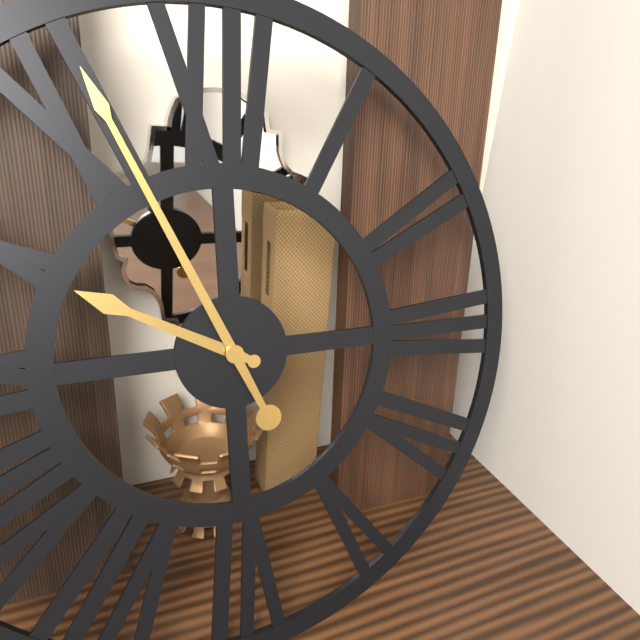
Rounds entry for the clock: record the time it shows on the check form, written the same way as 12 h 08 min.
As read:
9 h 56 min
